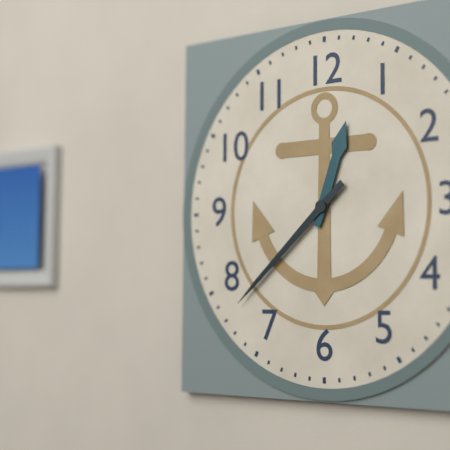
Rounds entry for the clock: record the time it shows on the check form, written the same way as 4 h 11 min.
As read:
12 h 38 min
